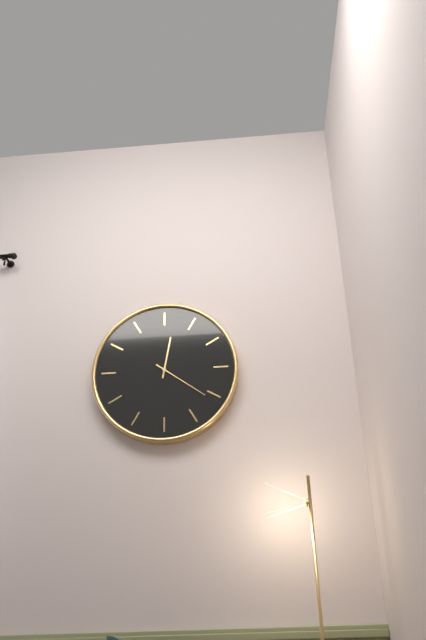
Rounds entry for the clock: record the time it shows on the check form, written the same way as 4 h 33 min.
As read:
12 h 21 min
